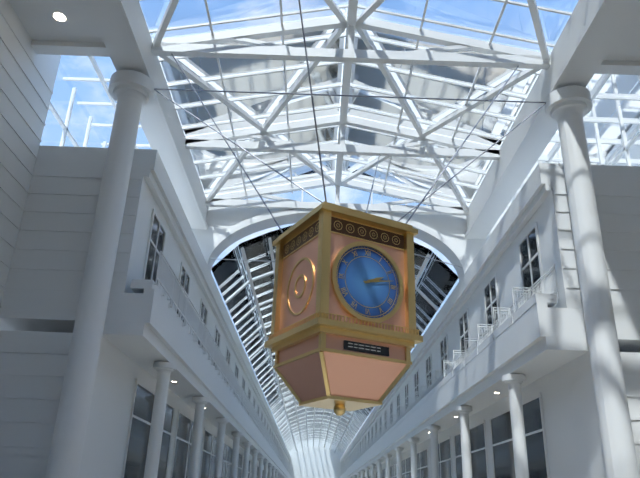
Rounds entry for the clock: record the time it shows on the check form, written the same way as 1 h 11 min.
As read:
2 h 13 min
